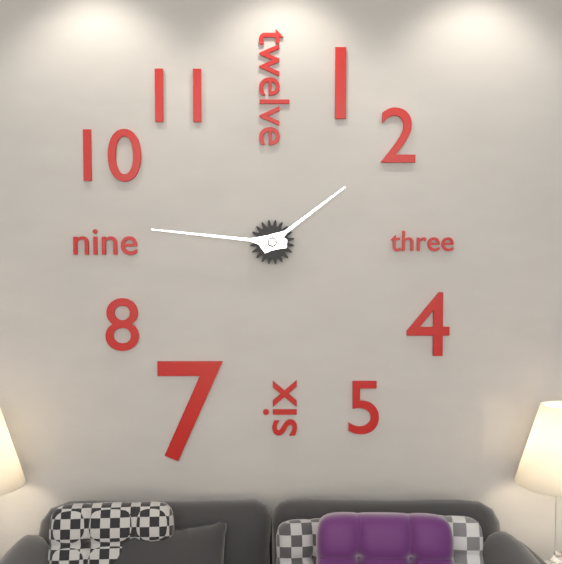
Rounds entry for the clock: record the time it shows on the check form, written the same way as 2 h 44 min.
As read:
1 h 46 min
